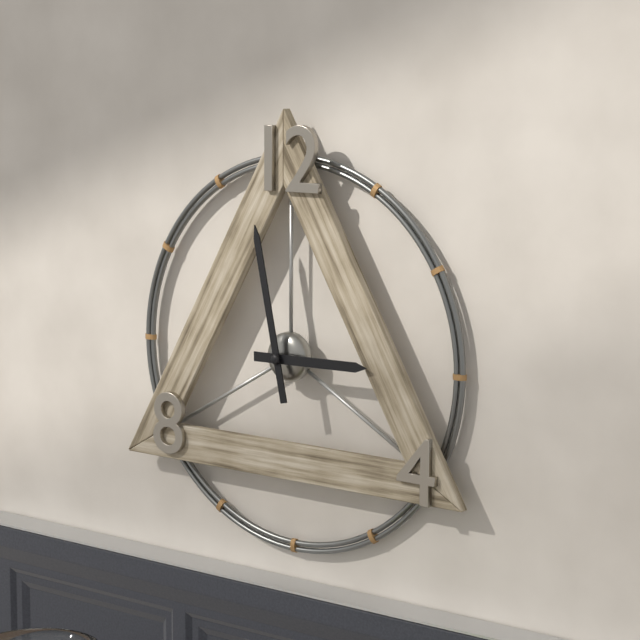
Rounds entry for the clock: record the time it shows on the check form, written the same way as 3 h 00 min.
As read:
2 h 58 min
